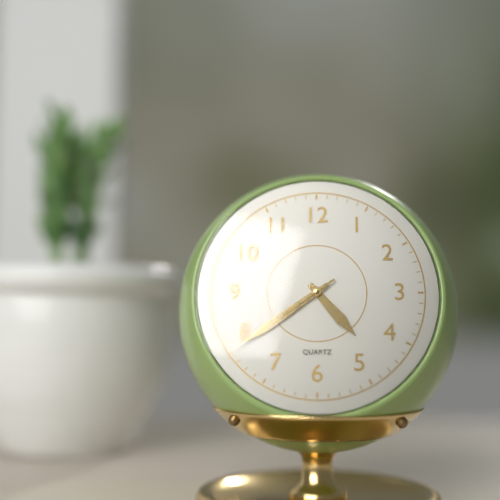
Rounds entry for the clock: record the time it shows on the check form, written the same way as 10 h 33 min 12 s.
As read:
4 h 39 min 39 s
